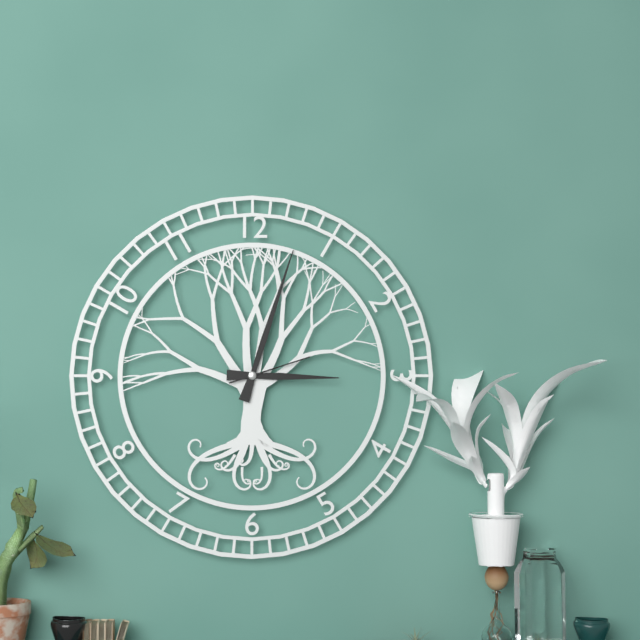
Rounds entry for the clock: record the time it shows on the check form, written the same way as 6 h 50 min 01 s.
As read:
3 h 03 min 12 s
